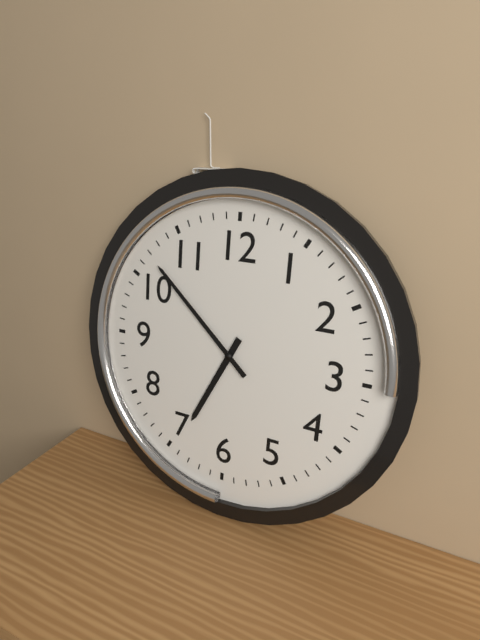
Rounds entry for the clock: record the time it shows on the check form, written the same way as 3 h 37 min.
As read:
6 h 52 min
